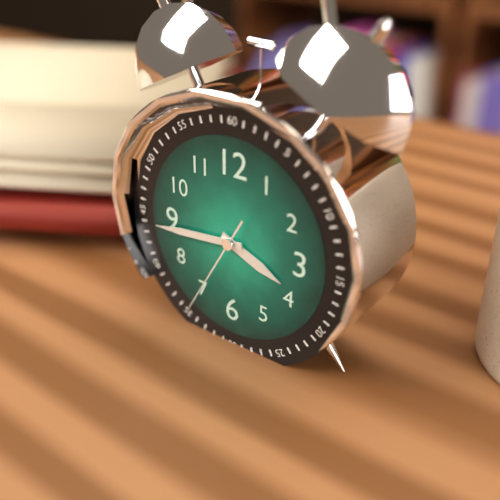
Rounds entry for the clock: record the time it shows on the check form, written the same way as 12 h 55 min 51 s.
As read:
3 h 44 min 35 s
